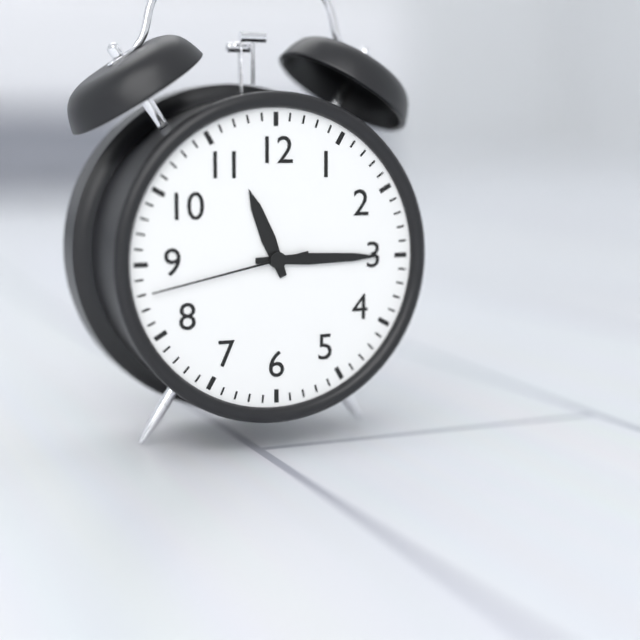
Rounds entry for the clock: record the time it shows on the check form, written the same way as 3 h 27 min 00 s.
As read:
11 h 15 min 43 s
